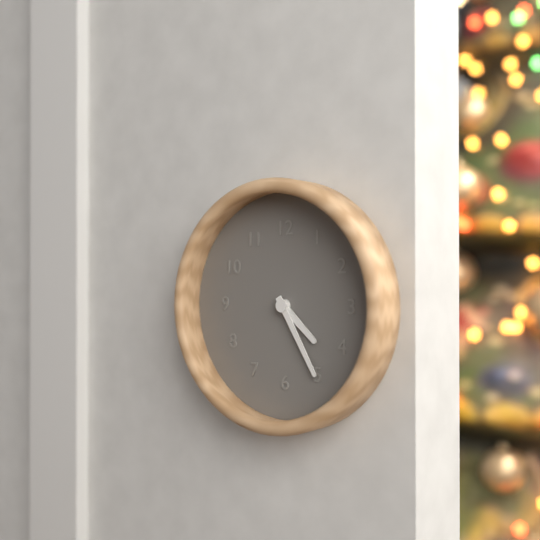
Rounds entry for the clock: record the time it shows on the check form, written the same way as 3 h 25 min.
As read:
4 h 25 min
